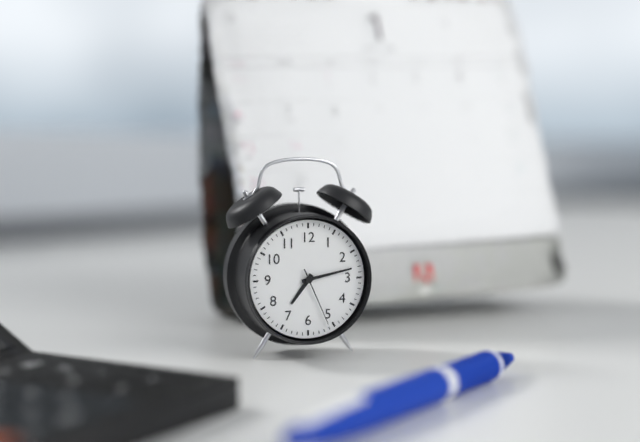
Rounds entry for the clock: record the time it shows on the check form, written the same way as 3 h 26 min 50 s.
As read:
7 h 13 min 26 s
